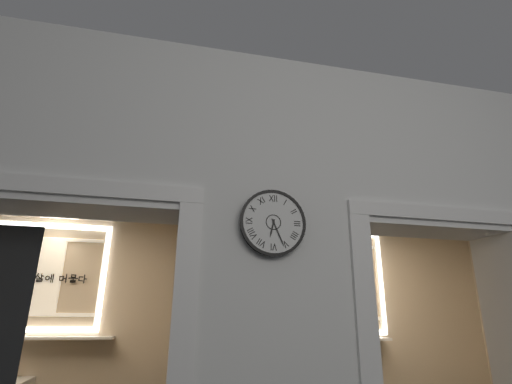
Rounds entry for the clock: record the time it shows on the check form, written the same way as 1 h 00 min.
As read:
6 h 26 min
